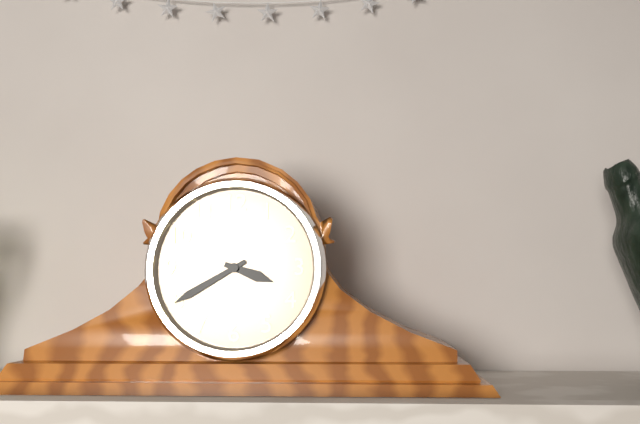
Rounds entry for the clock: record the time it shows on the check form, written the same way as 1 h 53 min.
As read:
3 h 40 min
